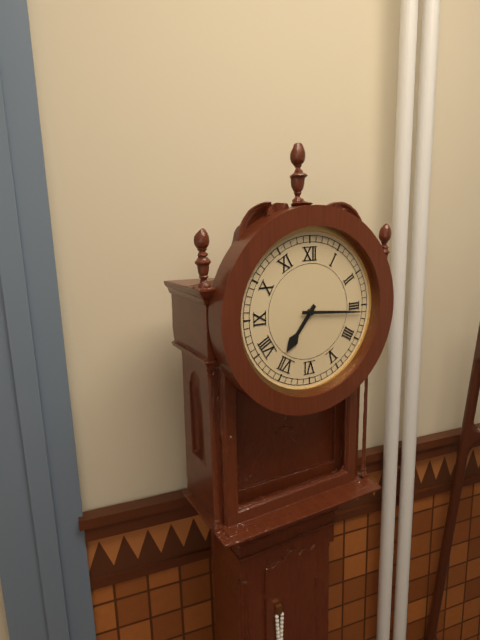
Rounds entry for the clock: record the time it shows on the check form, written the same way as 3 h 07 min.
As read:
7 h 16 min
